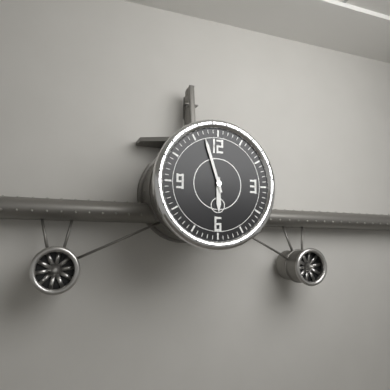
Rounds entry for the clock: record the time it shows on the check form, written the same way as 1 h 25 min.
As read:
5 h 57 min
